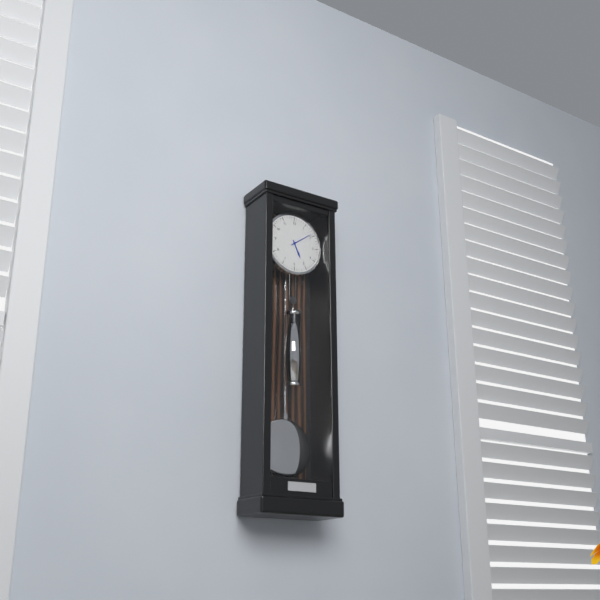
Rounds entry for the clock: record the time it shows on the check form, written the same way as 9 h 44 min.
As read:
5 h 09 min
